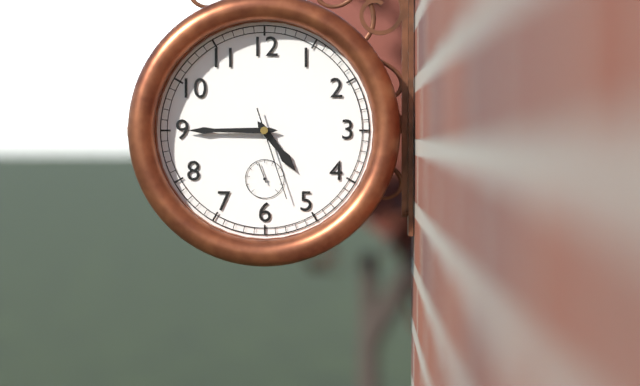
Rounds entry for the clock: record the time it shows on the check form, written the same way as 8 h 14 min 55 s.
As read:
4 h 45 min 27 s
